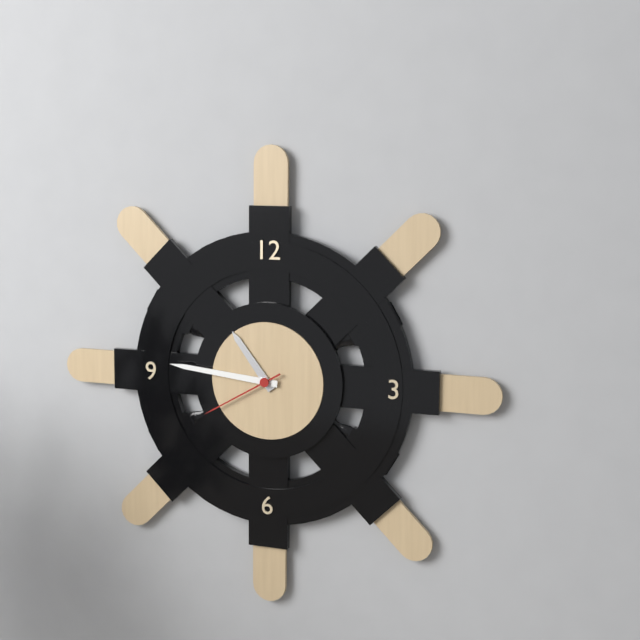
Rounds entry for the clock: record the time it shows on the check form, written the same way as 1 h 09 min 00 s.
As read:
10 h 46 min 40 s
